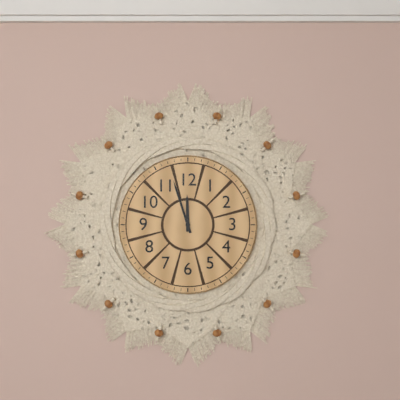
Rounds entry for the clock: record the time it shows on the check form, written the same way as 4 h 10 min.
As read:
11 h 57 min
